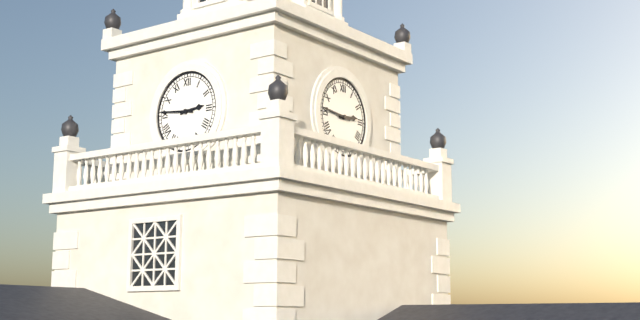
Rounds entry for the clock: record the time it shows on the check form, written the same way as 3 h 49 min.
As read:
2 h 46 min
